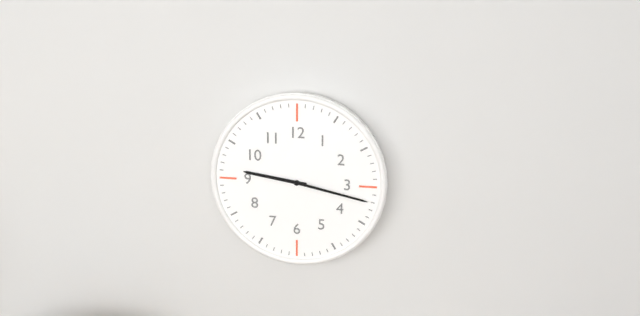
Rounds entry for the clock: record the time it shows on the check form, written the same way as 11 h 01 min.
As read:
9 h 17 min
